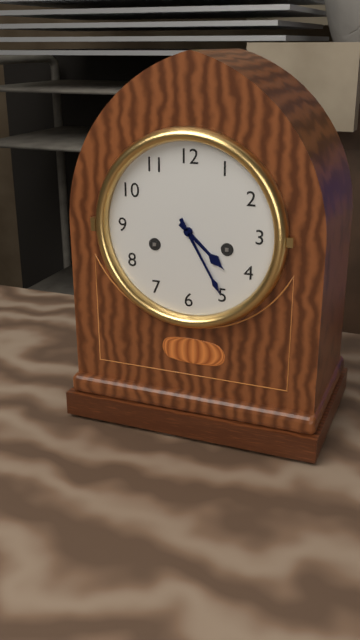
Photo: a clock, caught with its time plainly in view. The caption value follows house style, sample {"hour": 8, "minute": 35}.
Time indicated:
{"hour": 4, "minute": 25}
